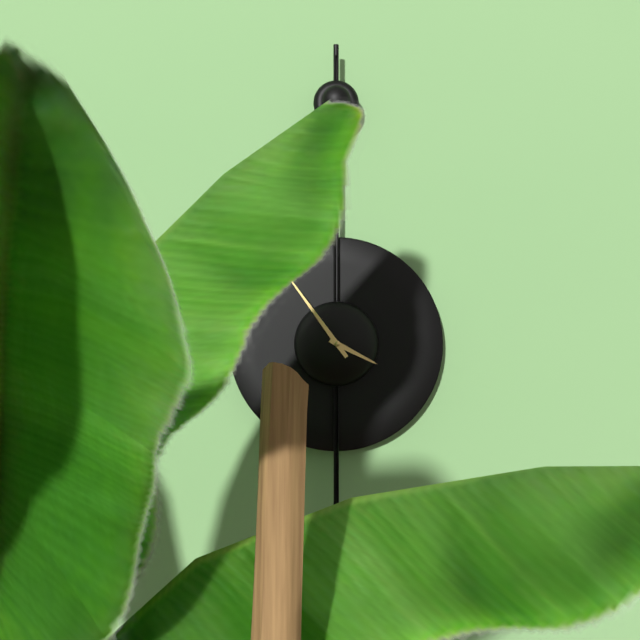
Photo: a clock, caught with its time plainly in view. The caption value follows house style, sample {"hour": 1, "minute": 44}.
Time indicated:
{"hour": 3, "minute": 54}
